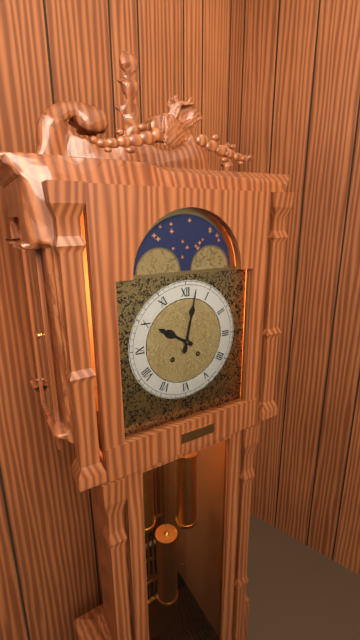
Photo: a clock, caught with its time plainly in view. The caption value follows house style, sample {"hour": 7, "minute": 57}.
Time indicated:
{"hour": 10, "minute": 2}
